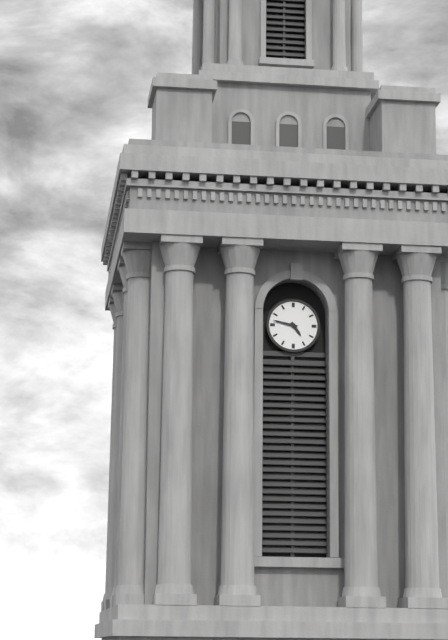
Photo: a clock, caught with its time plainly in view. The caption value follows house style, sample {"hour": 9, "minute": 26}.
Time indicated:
{"hour": 4, "minute": 47}
